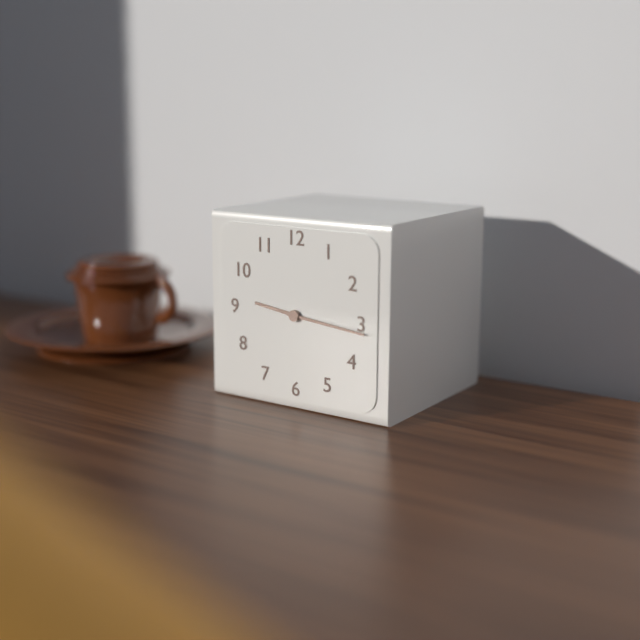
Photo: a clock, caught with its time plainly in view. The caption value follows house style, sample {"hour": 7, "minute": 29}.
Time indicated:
{"hour": 9, "minute": 16}
